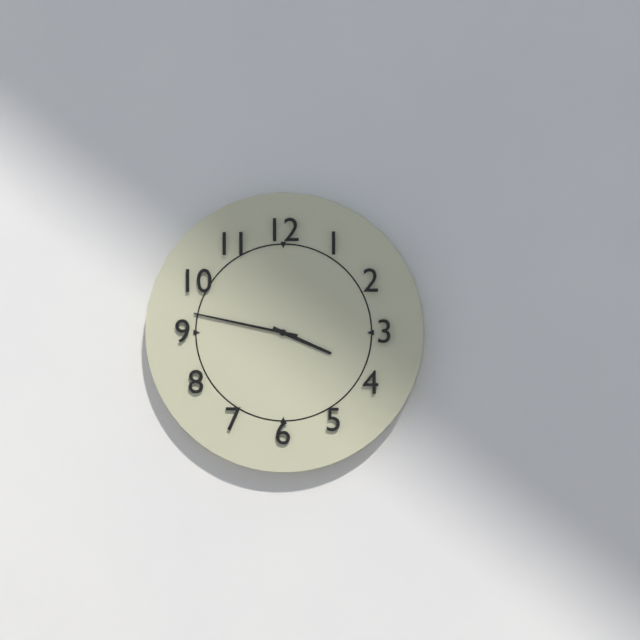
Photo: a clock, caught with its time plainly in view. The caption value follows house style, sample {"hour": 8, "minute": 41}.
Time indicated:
{"hour": 3, "minute": 47}
